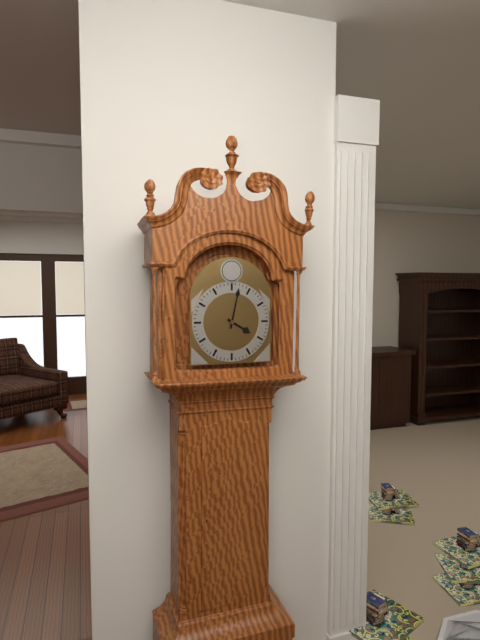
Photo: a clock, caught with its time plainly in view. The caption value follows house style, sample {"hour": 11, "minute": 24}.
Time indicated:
{"hour": 4, "minute": 2}
